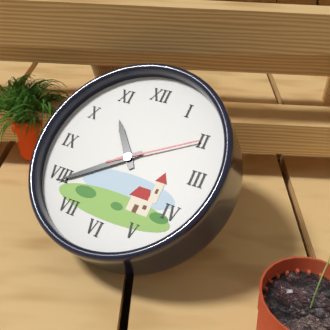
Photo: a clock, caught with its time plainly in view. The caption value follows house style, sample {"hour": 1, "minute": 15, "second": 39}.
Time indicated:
{"hour": 10, "minute": 39, "second": 10}
